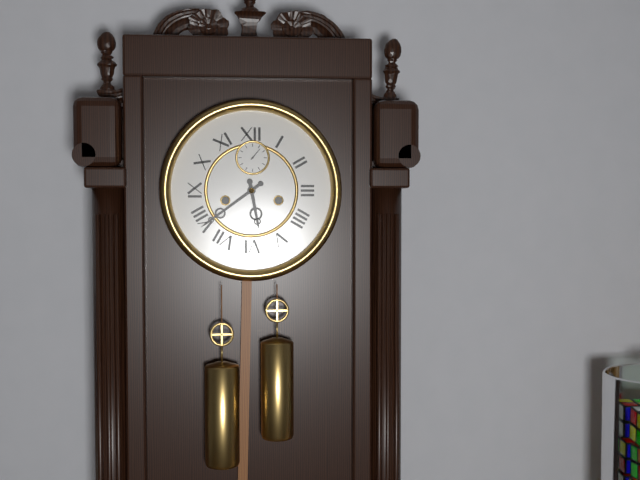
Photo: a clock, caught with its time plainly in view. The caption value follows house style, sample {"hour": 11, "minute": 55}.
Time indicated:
{"hour": 5, "minute": 39}
